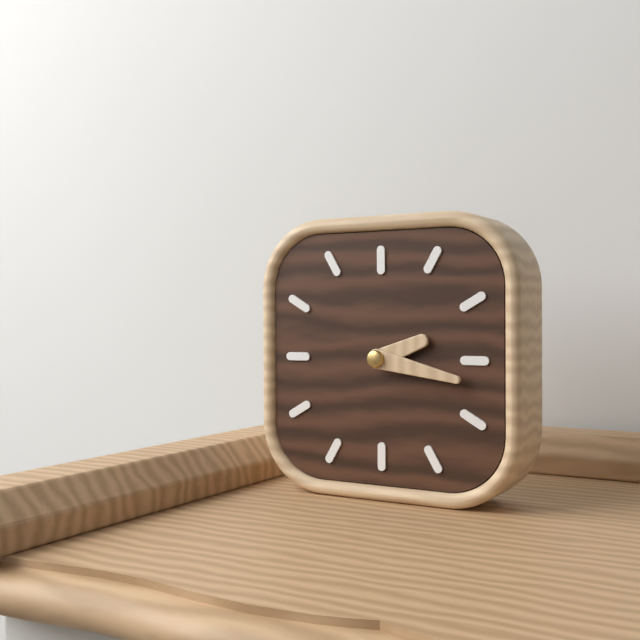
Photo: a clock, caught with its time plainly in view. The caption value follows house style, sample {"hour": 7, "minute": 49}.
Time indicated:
{"hour": 2, "minute": 17}
